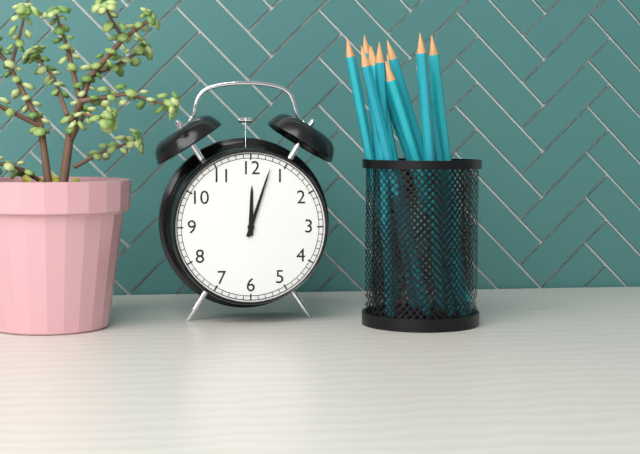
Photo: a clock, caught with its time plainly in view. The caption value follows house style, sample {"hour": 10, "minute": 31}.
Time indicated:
{"hour": 12, "minute": 3}
